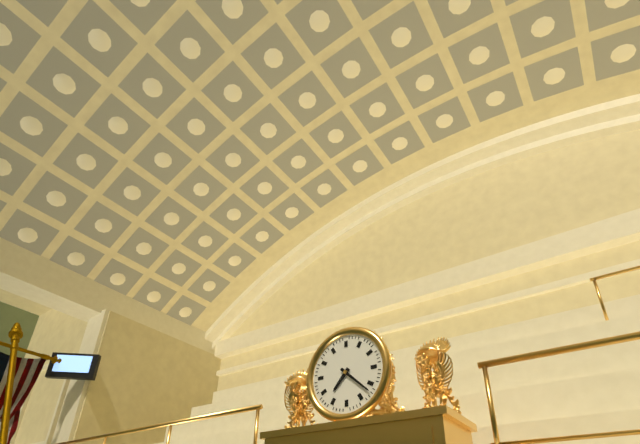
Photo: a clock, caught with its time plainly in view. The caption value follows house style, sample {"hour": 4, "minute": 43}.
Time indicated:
{"hour": 7, "minute": 22}
